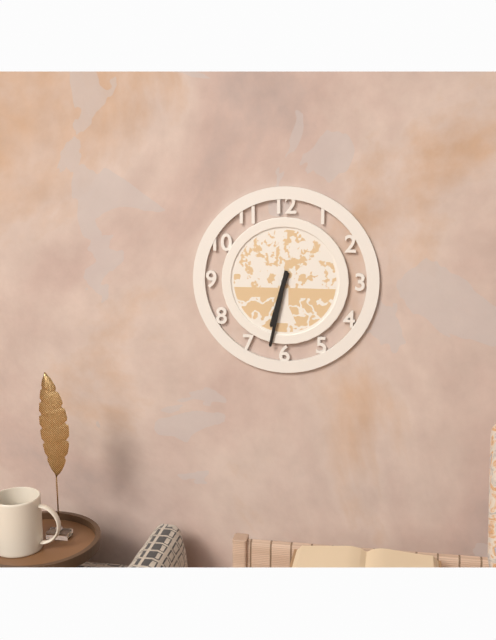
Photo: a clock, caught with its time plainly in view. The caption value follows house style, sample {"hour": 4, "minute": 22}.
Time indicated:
{"hour": 6, "minute": 32}
